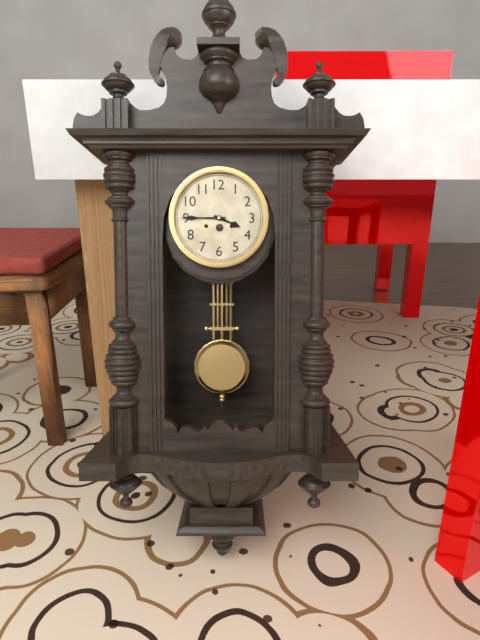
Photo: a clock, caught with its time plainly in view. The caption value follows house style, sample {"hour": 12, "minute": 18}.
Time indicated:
{"hour": 3, "minute": 45}
